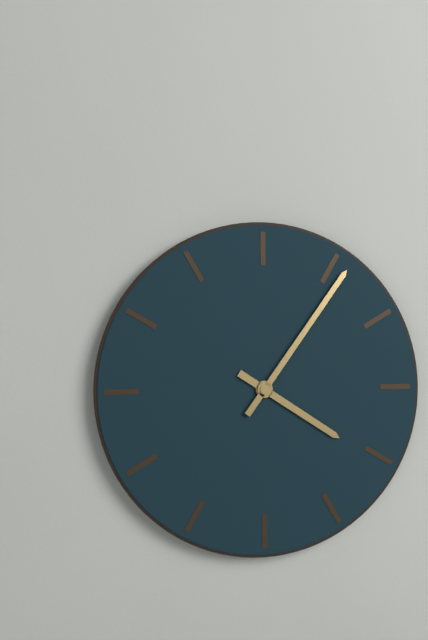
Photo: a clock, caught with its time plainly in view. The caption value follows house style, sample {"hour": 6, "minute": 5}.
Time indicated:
{"hour": 4, "minute": 6}
